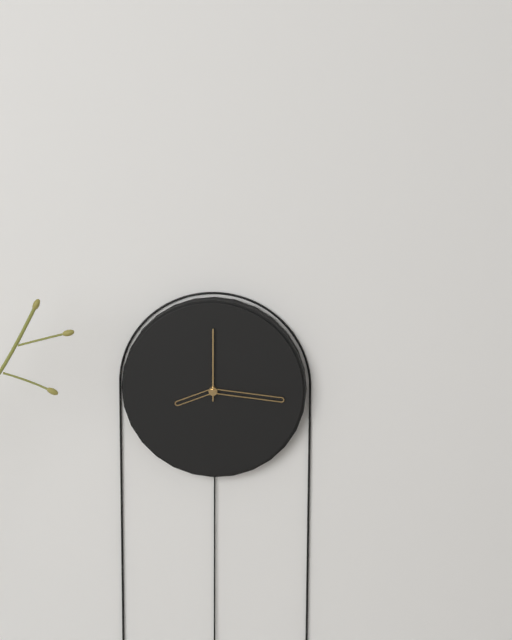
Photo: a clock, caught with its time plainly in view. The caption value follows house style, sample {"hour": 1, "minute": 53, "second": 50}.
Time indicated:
{"hour": 8, "minute": 16, "second": 0}
